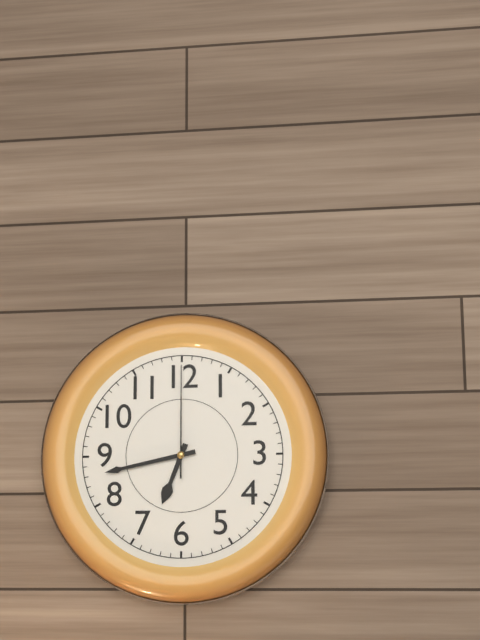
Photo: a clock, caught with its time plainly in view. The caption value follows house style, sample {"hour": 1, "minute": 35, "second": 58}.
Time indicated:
{"hour": 6, "minute": 43, "second": 0}
